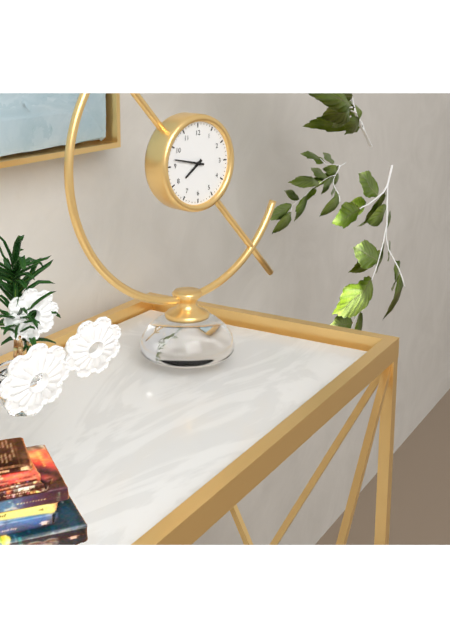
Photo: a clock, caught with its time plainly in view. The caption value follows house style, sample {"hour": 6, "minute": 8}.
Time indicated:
{"hour": 7, "minute": 47}
